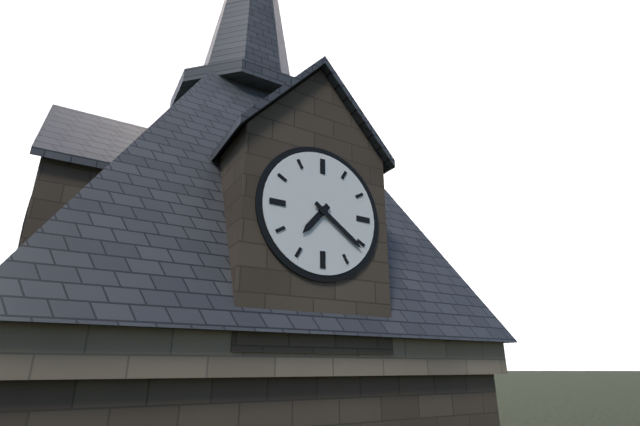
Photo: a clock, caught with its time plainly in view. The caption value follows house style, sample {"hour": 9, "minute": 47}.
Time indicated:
{"hour": 7, "minute": 21}
